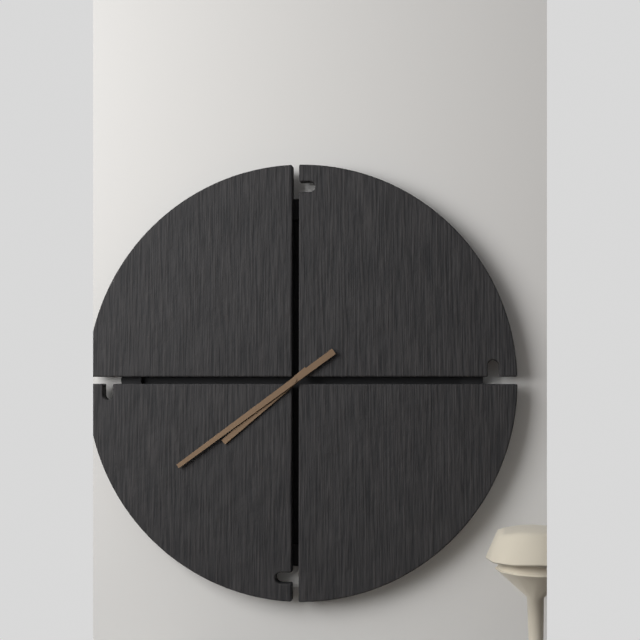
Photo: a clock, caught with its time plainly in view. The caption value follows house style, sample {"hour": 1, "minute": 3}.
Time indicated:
{"hour": 7, "minute": 39}
